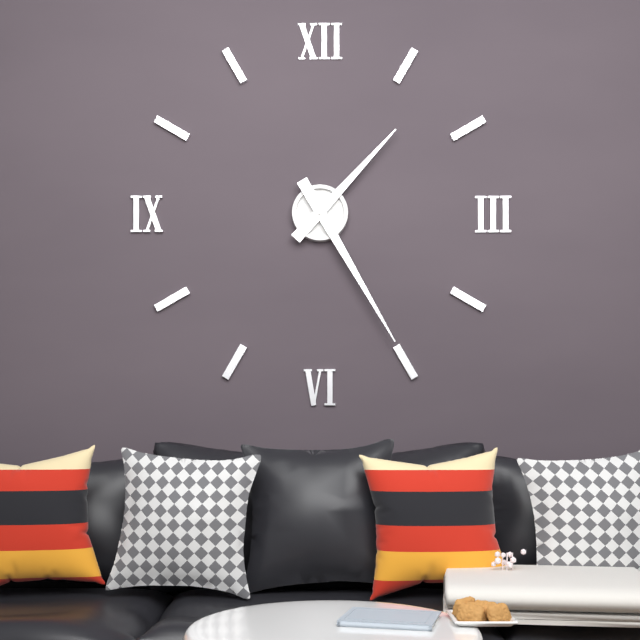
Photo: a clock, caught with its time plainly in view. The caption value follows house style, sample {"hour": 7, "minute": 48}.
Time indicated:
{"hour": 1, "minute": 25}
